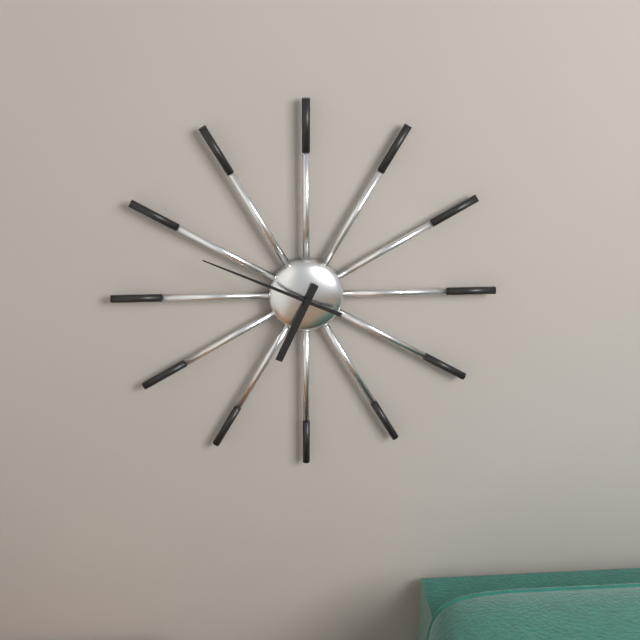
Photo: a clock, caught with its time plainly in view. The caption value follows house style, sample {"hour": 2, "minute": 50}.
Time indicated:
{"hour": 6, "minute": 49}
